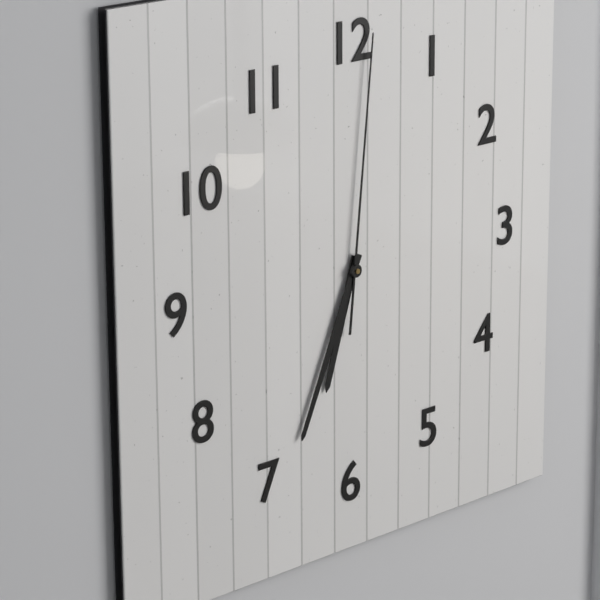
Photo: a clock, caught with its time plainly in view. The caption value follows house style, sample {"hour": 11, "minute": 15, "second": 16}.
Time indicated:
{"hour": 6, "minute": 34, "second": 1}
